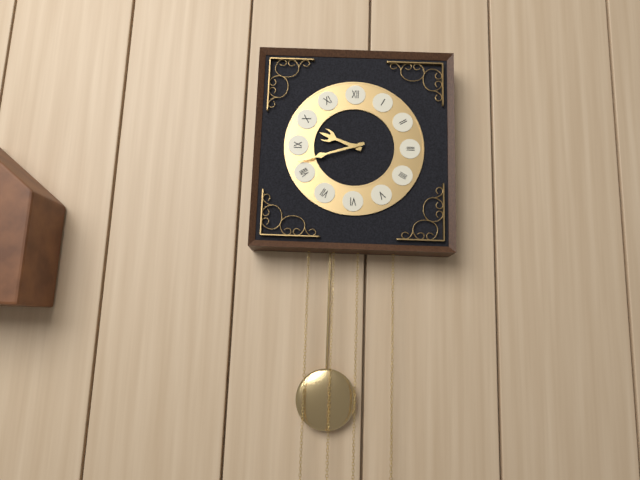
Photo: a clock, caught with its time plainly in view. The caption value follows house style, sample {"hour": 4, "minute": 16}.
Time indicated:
{"hour": 9, "minute": 42}
